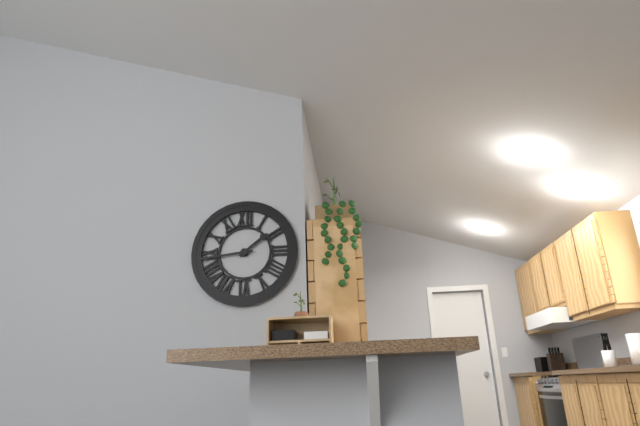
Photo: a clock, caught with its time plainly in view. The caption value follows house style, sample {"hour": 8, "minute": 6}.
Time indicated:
{"hour": 1, "minute": 44}
